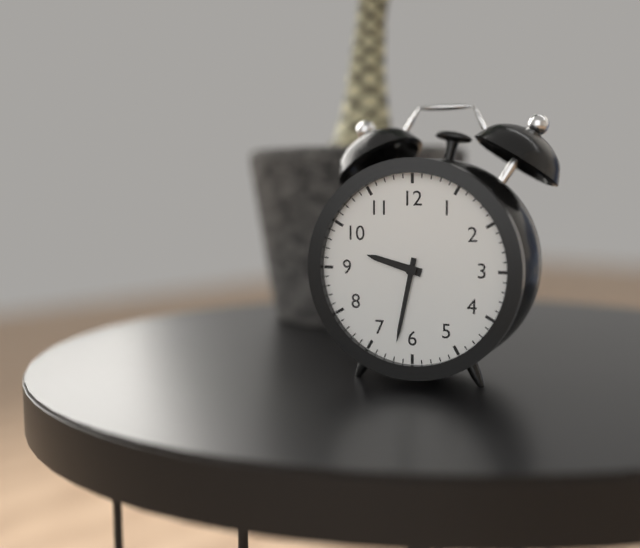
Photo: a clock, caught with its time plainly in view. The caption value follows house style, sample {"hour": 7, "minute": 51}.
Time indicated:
{"hour": 9, "minute": 32}
